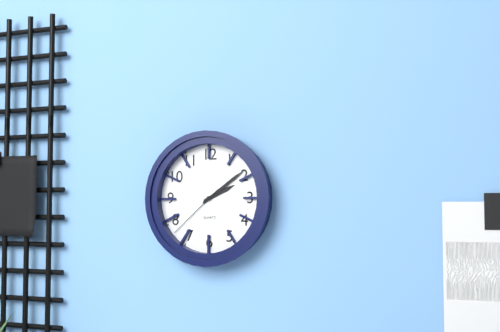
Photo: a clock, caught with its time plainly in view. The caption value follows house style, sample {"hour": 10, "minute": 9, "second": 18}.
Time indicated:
{"hour": 2, "minute": 9, "second": 38}
